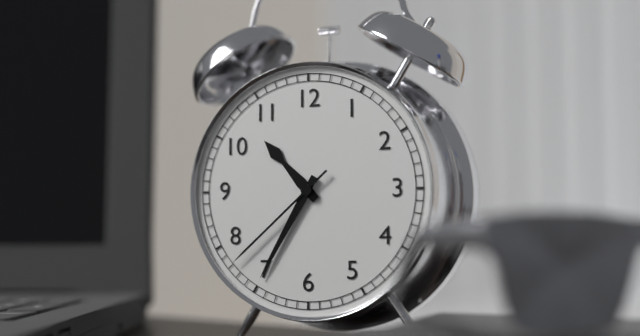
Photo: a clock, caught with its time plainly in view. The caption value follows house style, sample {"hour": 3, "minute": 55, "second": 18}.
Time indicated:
{"hour": 10, "minute": 35, "second": 38}
